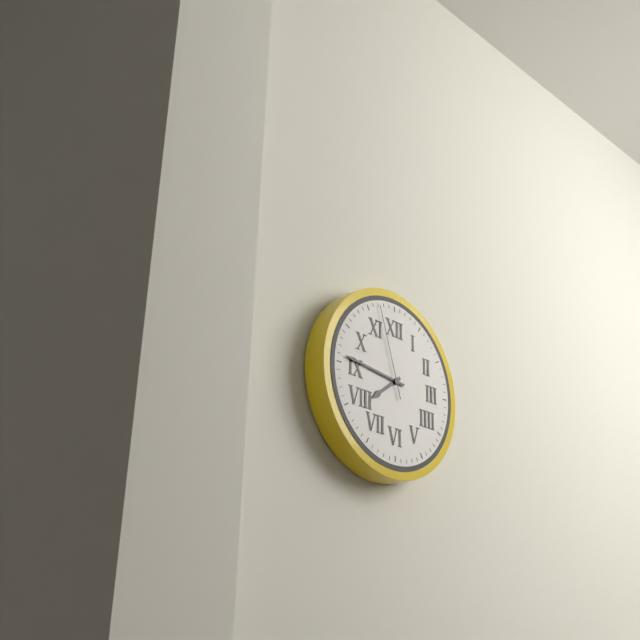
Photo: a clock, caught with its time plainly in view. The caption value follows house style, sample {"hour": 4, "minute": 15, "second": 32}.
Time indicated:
{"hour": 7, "minute": 46, "second": 57}
